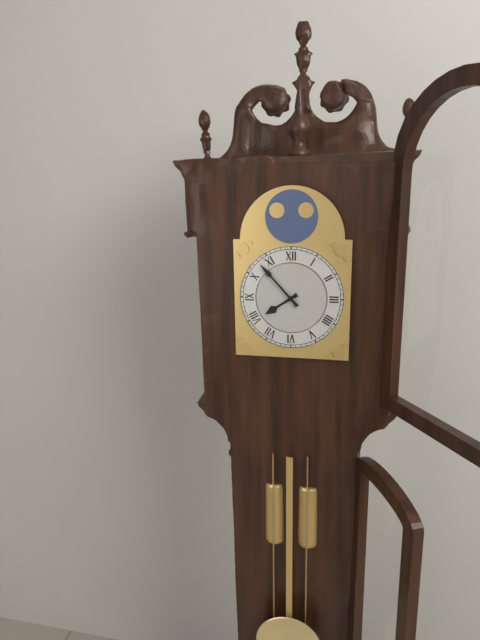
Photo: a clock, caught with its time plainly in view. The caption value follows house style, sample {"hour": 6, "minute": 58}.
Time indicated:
{"hour": 7, "minute": 53}
